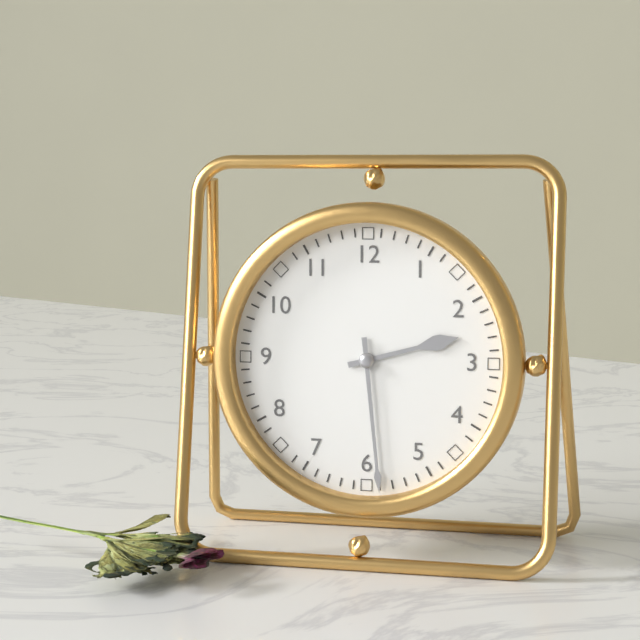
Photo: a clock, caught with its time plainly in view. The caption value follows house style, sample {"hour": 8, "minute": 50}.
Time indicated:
{"hour": 2, "minute": 29}
